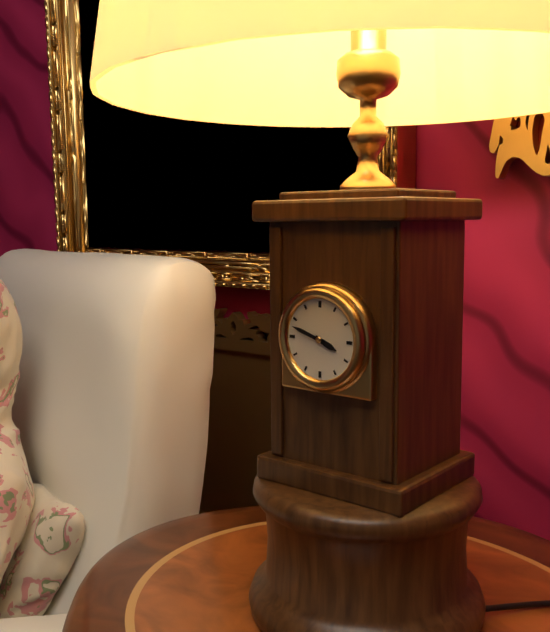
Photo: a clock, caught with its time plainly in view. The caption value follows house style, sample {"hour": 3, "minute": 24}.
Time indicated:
{"hour": 3, "minute": 48}
